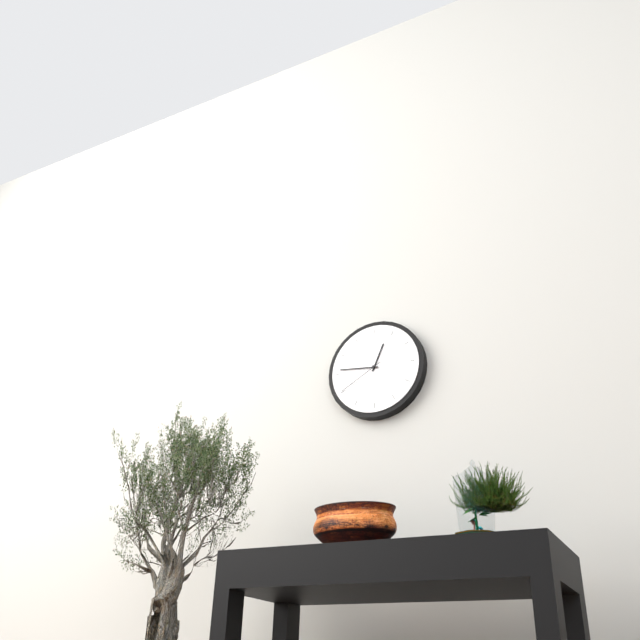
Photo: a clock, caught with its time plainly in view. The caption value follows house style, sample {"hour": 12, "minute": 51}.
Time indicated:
{"hour": 12, "minute": 46}
